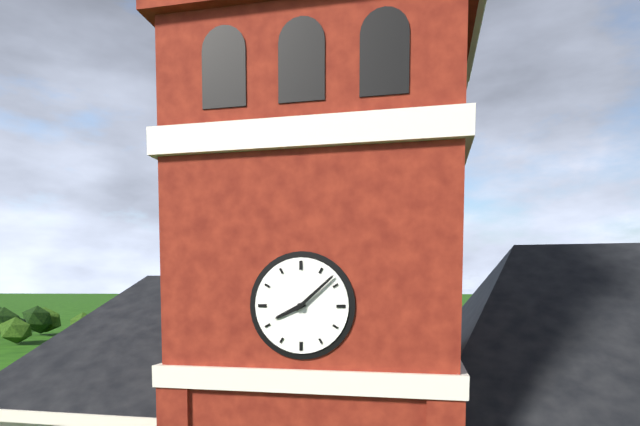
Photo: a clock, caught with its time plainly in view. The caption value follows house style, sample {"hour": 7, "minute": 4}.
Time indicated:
{"hour": 8, "minute": 8}
